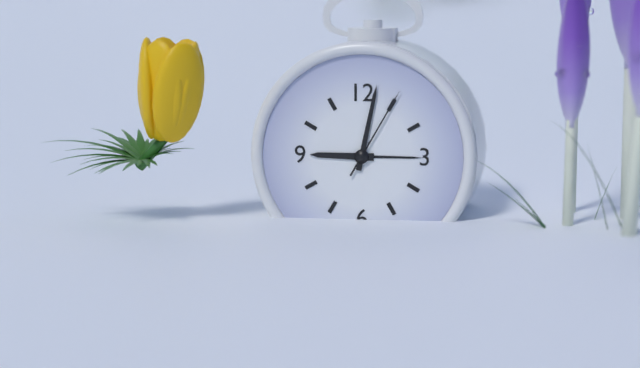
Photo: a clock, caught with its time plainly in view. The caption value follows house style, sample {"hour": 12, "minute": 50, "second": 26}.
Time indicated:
{"hour": 9, "minute": 2, "second": 5}
